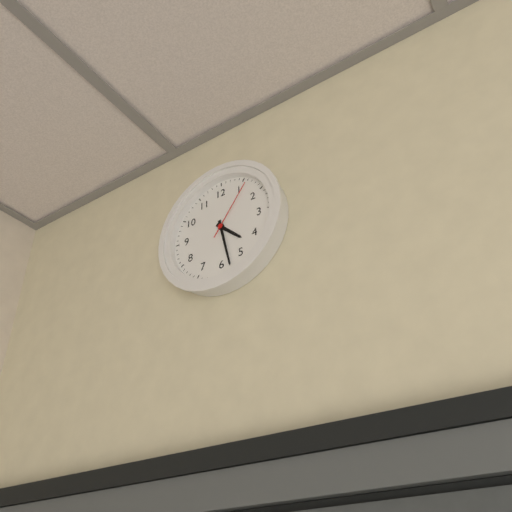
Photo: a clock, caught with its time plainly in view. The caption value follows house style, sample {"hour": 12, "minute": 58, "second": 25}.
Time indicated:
{"hour": 4, "minute": 28, "second": 6}
